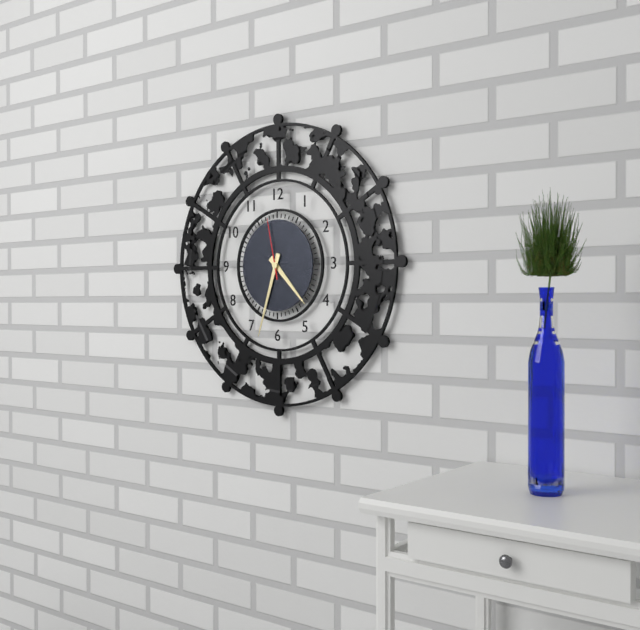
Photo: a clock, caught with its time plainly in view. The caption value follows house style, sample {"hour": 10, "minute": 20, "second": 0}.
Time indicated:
{"hour": 4, "minute": 33, "second": 58}
